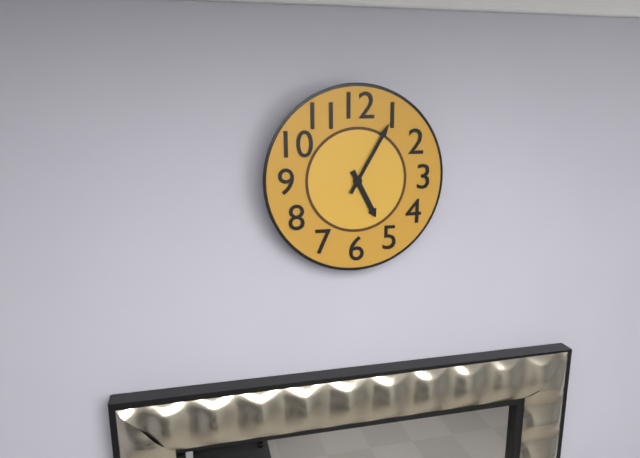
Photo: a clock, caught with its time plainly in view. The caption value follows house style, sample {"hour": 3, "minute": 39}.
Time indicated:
{"hour": 5, "minute": 5}
